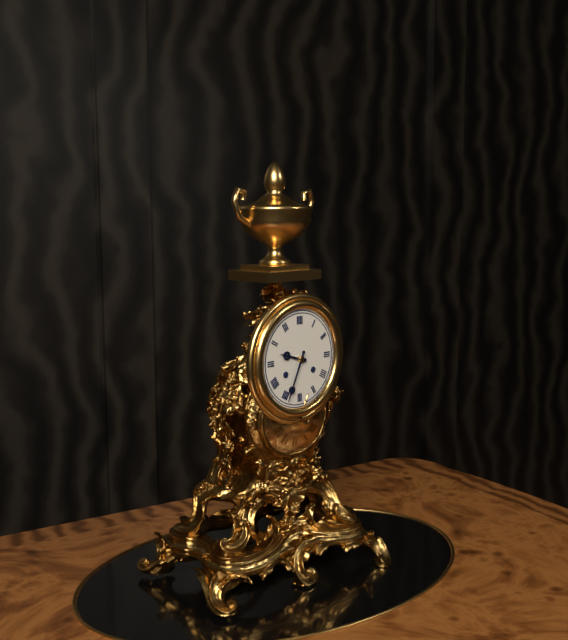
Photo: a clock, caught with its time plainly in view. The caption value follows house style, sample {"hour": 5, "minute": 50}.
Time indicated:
{"hour": 9, "minute": 34}
